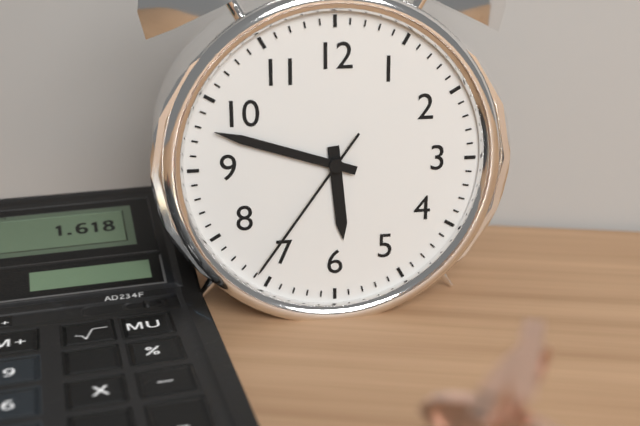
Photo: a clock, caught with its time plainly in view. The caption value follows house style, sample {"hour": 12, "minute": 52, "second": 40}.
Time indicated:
{"hour": 5, "minute": 48, "second": 36}
